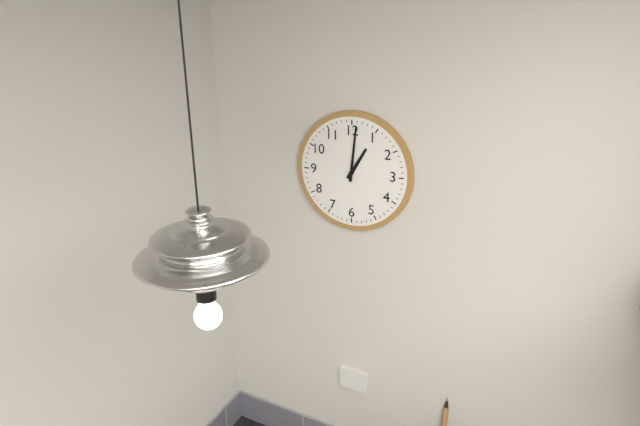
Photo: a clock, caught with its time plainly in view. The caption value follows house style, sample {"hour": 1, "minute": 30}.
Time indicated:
{"hour": 1, "minute": 1}
